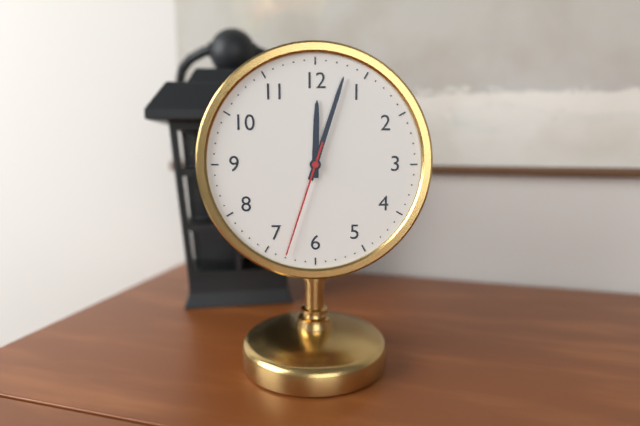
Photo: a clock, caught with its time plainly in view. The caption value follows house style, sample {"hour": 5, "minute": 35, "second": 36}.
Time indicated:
{"hour": 12, "minute": 3, "second": 33}
